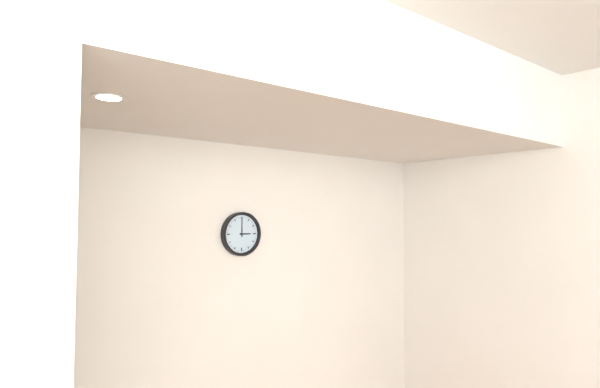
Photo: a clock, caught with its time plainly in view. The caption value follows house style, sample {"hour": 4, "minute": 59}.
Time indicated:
{"hour": 3, "minute": 0}
